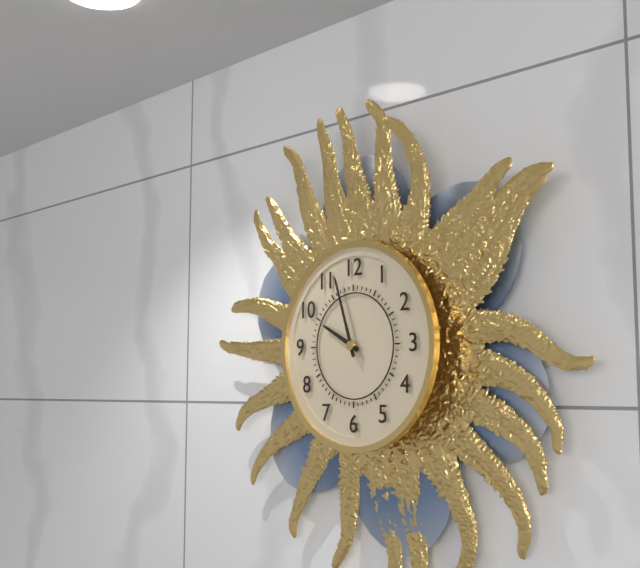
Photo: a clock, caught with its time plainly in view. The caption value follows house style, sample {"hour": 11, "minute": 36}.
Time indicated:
{"hour": 9, "minute": 57}
